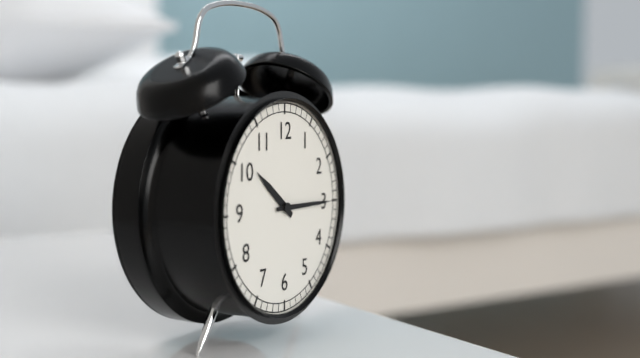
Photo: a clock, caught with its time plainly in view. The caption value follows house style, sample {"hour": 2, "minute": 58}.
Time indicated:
{"hour": 10, "minute": 15}
